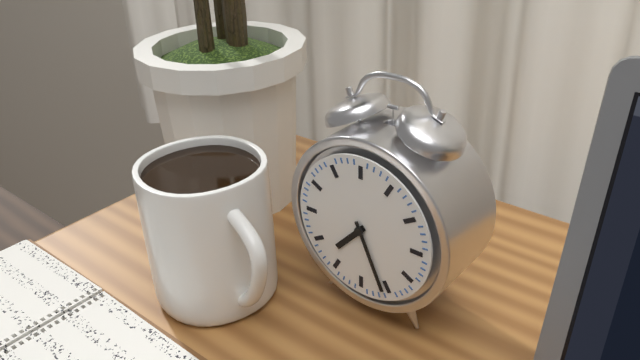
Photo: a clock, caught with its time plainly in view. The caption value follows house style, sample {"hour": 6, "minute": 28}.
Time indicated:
{"hour": 7, "minute": 26}
